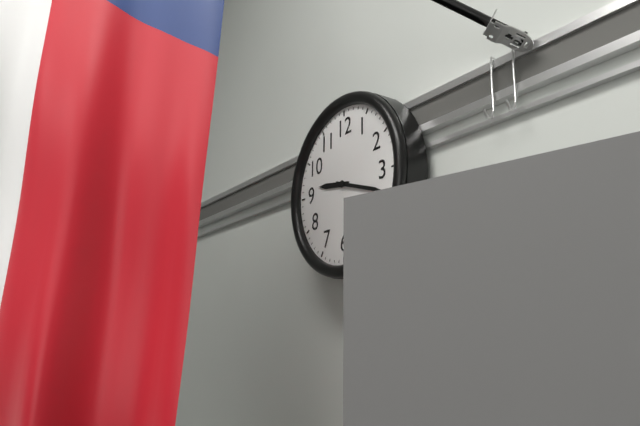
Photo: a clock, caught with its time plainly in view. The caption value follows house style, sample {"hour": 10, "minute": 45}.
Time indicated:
{"hour": 9, "minute": 18}
